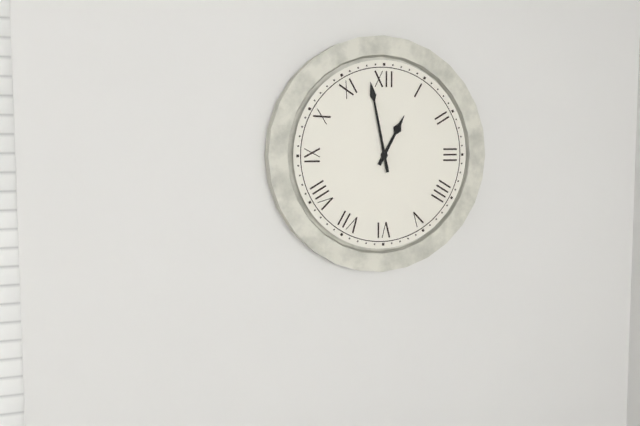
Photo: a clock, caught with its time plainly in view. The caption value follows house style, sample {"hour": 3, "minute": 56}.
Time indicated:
{"hour": 12, "minute": 58}
